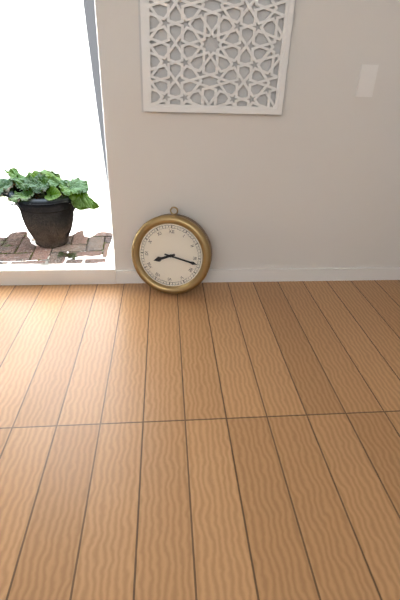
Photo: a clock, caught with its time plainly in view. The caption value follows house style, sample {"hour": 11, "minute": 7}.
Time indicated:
{"hour": 8, "minute": 17}
